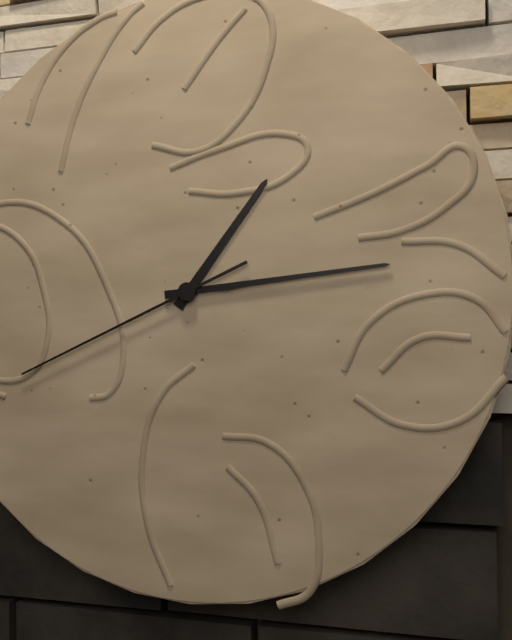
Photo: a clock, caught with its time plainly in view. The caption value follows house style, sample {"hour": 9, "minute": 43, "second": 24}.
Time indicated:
{"hour": 1, "minute": 14, "second": 41}
